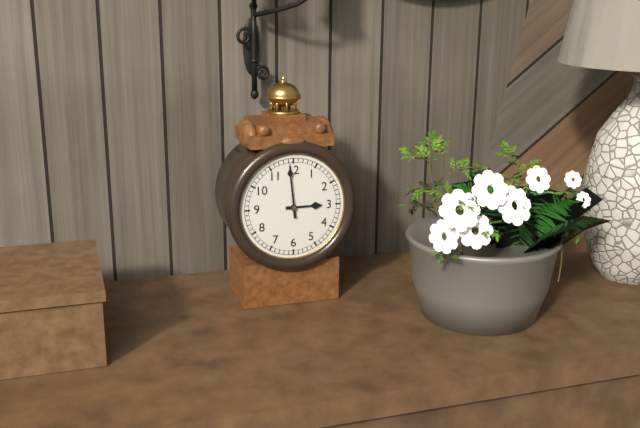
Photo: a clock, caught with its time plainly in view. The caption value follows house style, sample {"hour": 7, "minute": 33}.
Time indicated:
{"hour": 2, "minute": 59}
